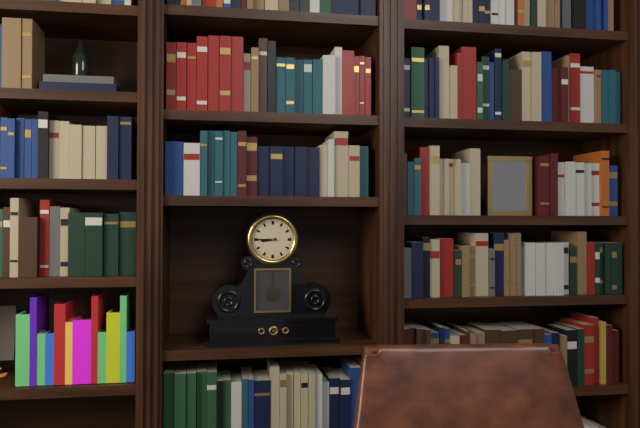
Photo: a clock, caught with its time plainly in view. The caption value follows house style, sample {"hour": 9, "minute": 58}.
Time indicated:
{"hour": 8, "minute": 45}
